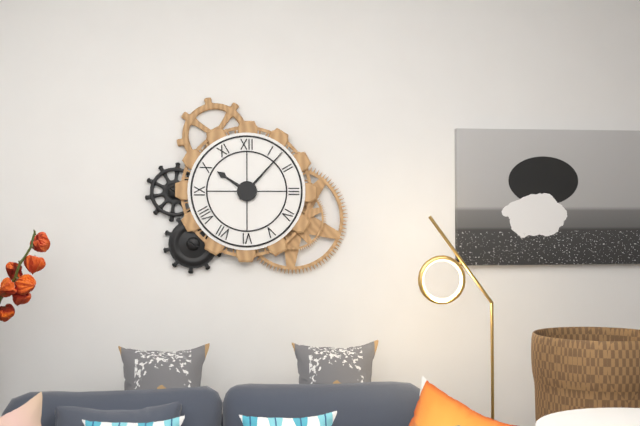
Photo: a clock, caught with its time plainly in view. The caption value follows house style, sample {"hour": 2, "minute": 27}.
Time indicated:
{"hour": 10, "minute": 7}
